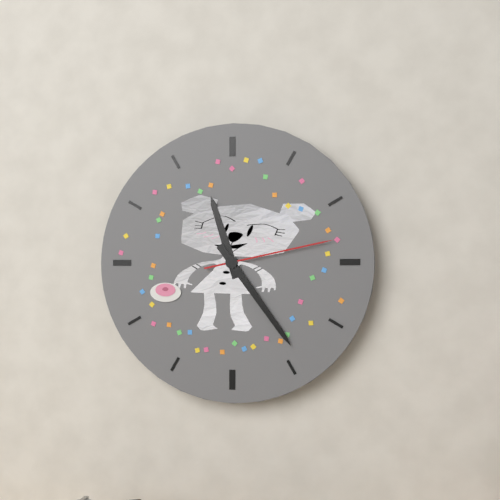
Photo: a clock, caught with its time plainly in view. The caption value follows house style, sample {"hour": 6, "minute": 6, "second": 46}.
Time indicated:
{"hour": 11, "minute": 24, "second": 13}
